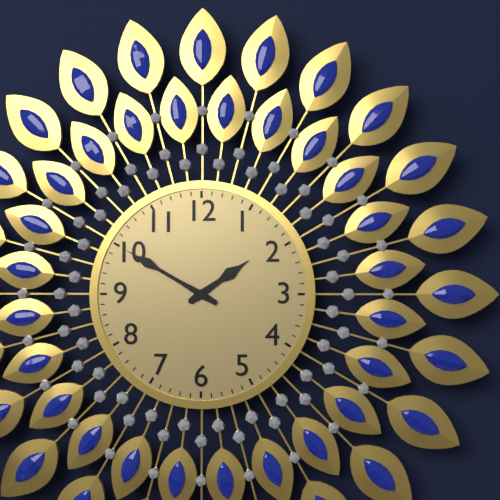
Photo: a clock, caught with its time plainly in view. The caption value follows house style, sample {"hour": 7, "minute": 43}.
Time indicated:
{"hour": 1, "minute": 50}
